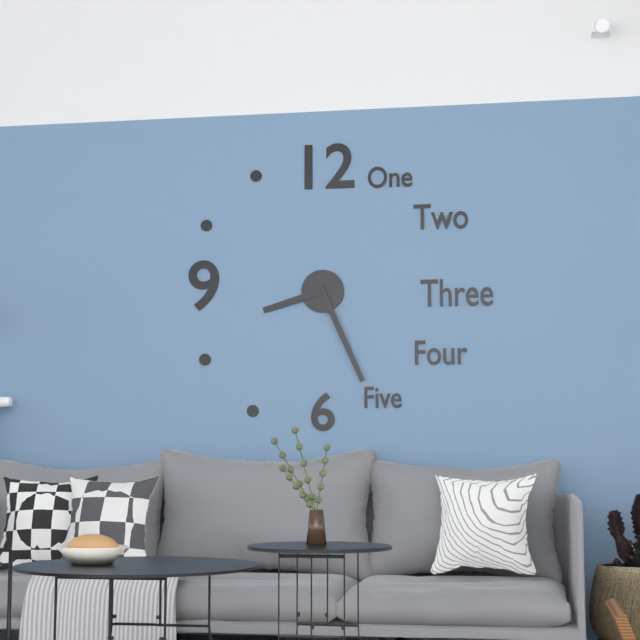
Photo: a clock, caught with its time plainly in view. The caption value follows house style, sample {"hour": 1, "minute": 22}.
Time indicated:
{"hour": 8, "minute": 26}
